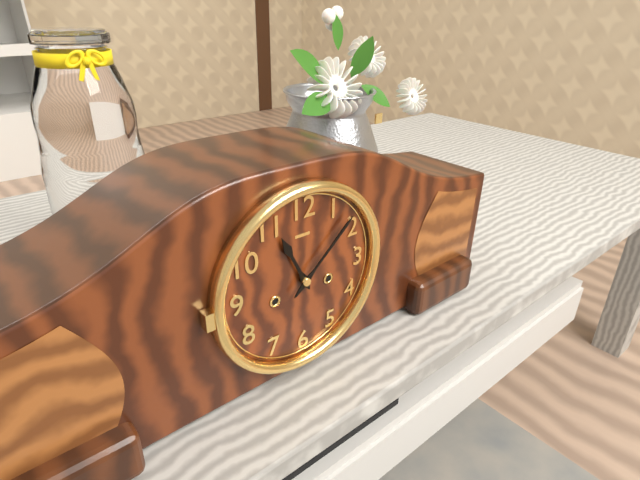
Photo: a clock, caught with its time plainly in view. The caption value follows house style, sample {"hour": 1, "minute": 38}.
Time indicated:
{"hour": 11, "minute": 8}
